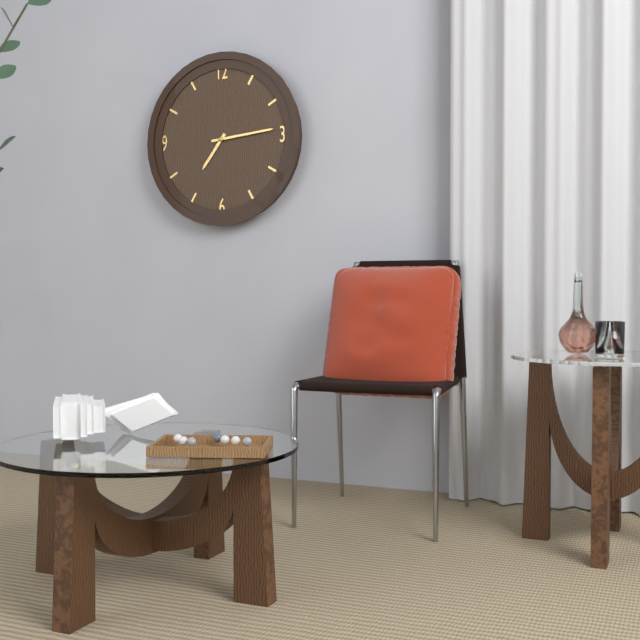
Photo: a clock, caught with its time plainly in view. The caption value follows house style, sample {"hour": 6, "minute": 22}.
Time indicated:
{"hour": 7, "minute": 14}
